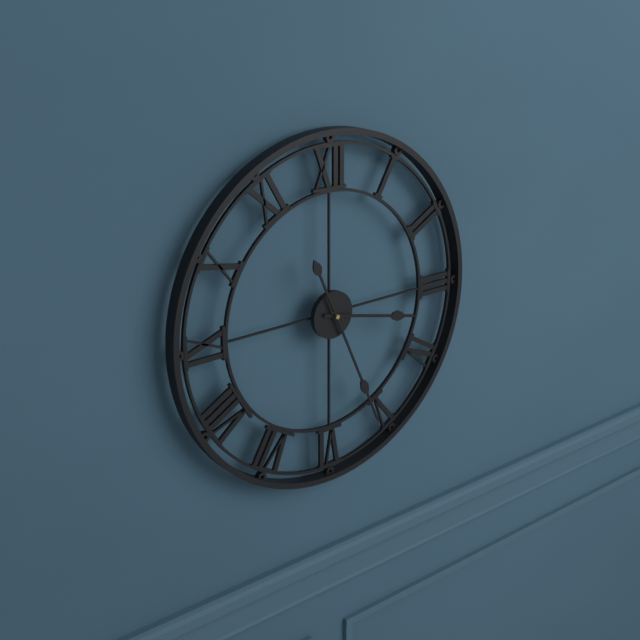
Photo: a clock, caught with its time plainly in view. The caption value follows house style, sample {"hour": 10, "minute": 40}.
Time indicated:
{"hour": 3, "minute": 26}
